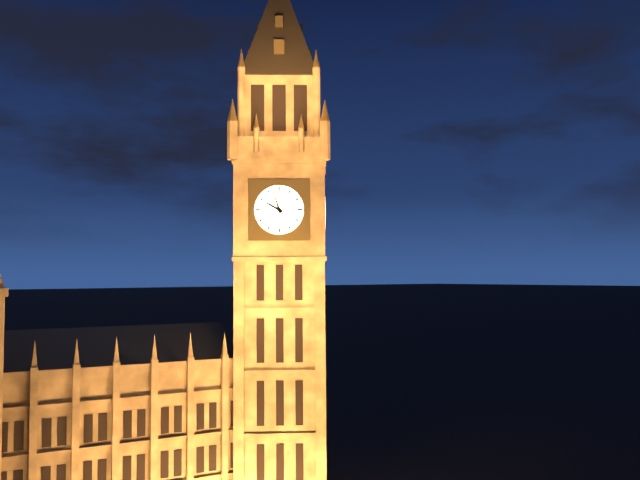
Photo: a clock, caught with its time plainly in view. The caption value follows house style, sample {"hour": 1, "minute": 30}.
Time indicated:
{"hour": 9, "minute": 57}
